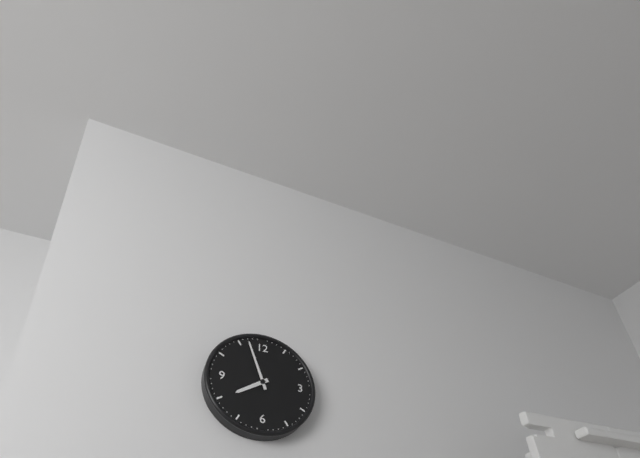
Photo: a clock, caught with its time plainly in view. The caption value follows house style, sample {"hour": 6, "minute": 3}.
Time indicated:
{"hour": 7, "minute": 57}
